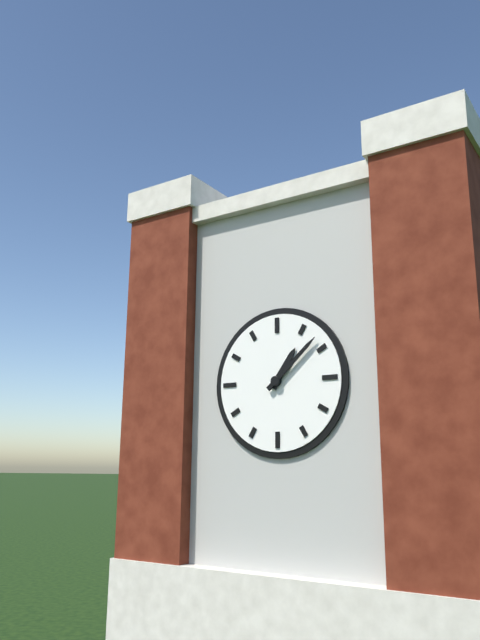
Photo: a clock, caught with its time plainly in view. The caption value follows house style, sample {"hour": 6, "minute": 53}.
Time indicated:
{"hour": 1, "minute": 8}
